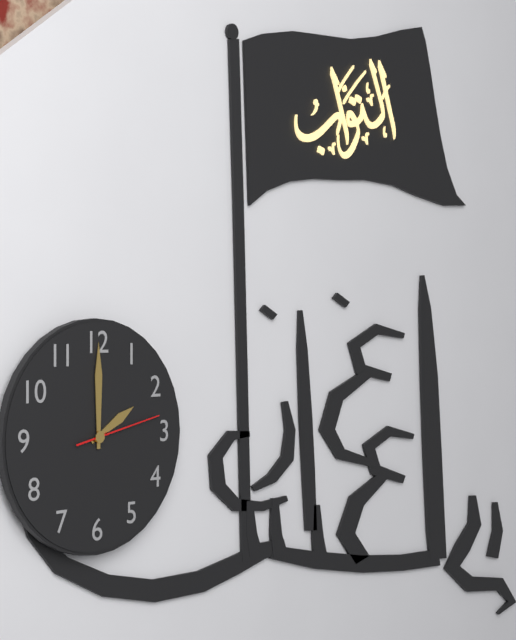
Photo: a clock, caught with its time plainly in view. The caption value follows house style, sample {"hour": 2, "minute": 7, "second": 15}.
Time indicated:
{"hour": 2, "minute": 0, "second": 13}
